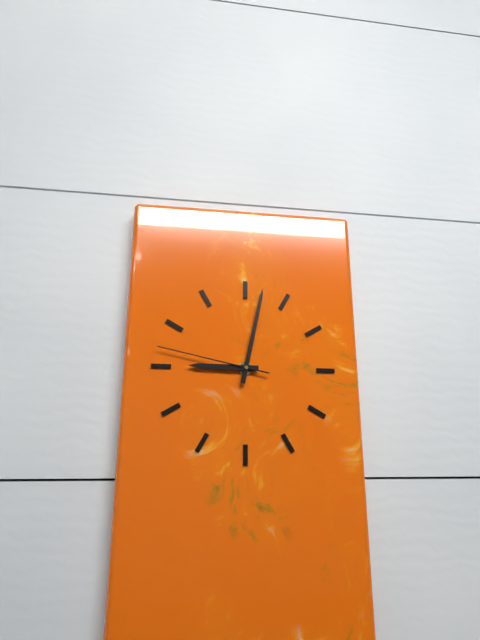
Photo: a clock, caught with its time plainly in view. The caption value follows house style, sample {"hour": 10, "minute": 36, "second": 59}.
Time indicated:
{"hour": 9, "minute": 2, "second": 47}
